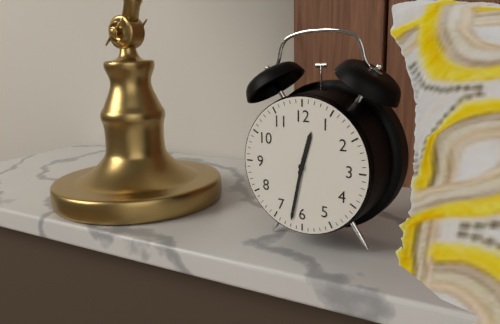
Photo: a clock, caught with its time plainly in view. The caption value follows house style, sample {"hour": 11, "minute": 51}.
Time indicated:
{"hour": 12, "minute": 32}
